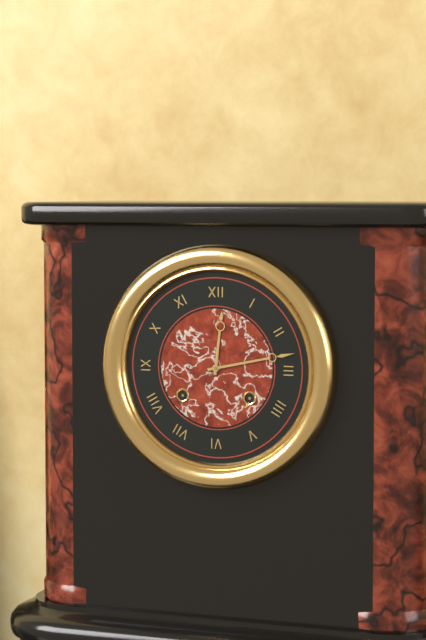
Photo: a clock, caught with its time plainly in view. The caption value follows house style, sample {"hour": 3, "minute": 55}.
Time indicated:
{"hour": 12, "minute": 13}
